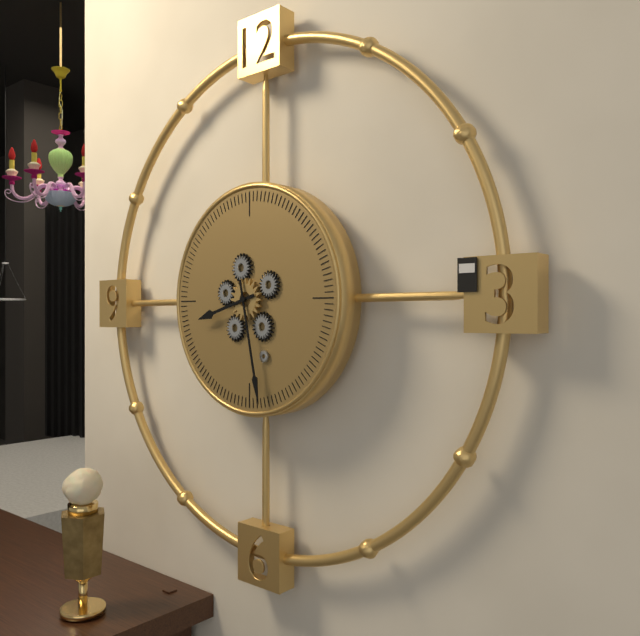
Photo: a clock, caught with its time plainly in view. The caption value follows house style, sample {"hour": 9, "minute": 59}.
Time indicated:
{"hour": 8, "minute": 28}
